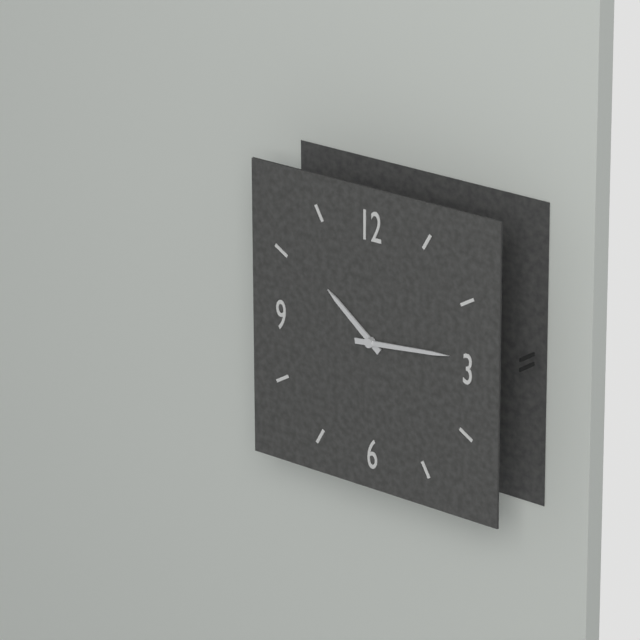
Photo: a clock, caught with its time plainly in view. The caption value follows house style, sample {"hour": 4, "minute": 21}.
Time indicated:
{"hour": 10, "minute": 14}
